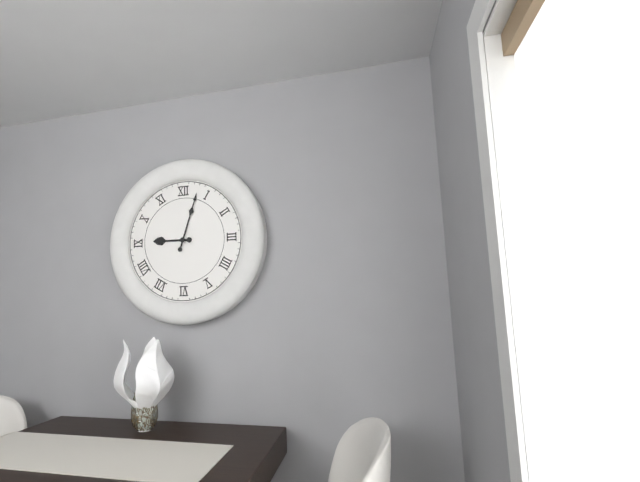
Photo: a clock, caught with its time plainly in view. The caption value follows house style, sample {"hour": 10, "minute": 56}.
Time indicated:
{"hour": 9, "minute": 3}
